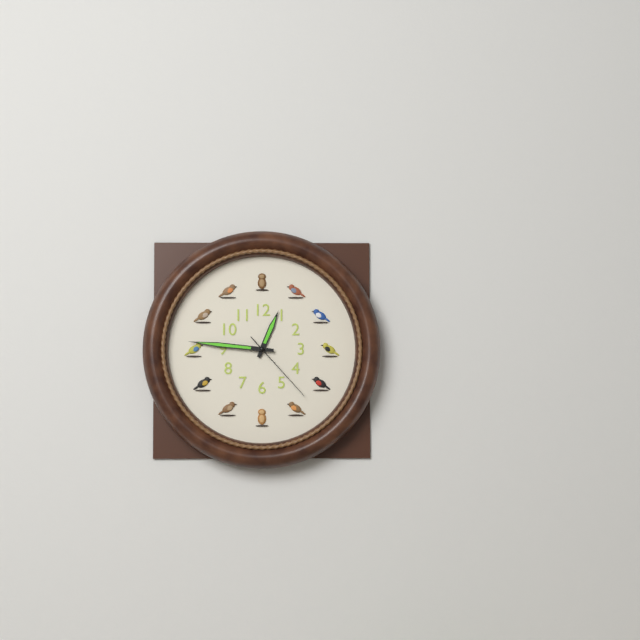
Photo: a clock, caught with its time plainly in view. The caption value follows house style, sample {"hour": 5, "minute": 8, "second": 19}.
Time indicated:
{"hour": 12, "minute": 46, "second": 23}
